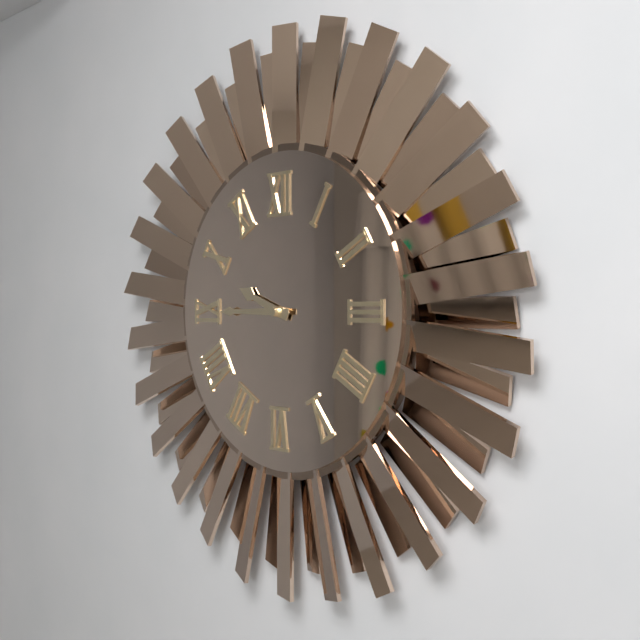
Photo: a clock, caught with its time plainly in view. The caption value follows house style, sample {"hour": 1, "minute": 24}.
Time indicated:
{"hour": 9, "minute": 45}
